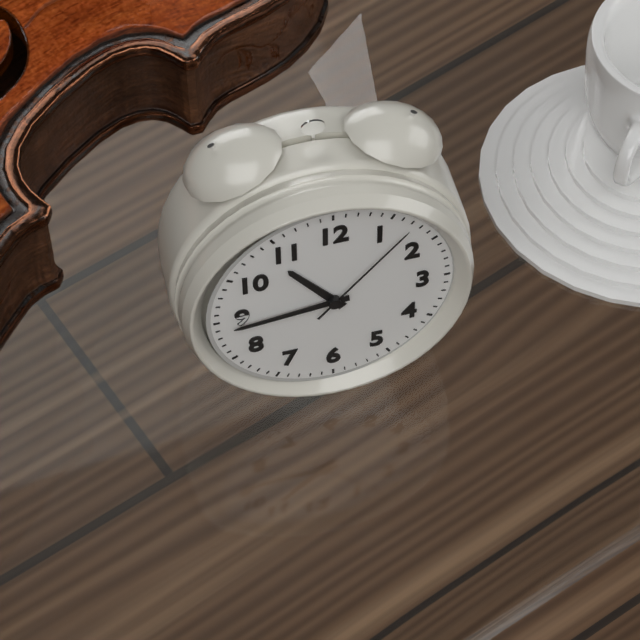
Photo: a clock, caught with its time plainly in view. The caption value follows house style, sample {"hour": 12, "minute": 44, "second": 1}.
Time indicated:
{"hour": 10, "minute": 44, "second": 7}
